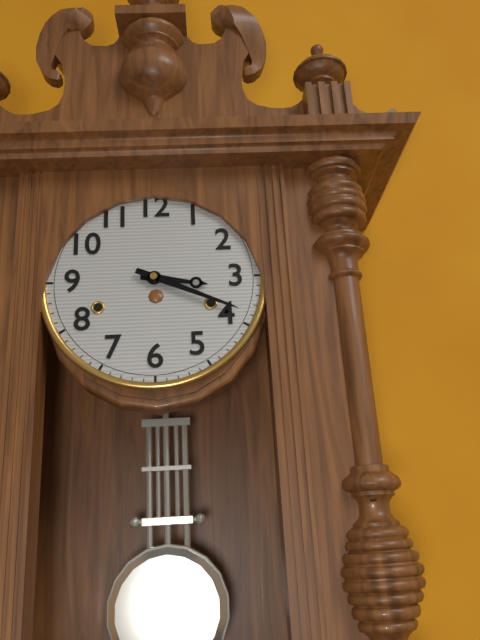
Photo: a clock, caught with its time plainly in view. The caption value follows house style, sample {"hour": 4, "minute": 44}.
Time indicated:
{"hour": 3, "minute": 19}
